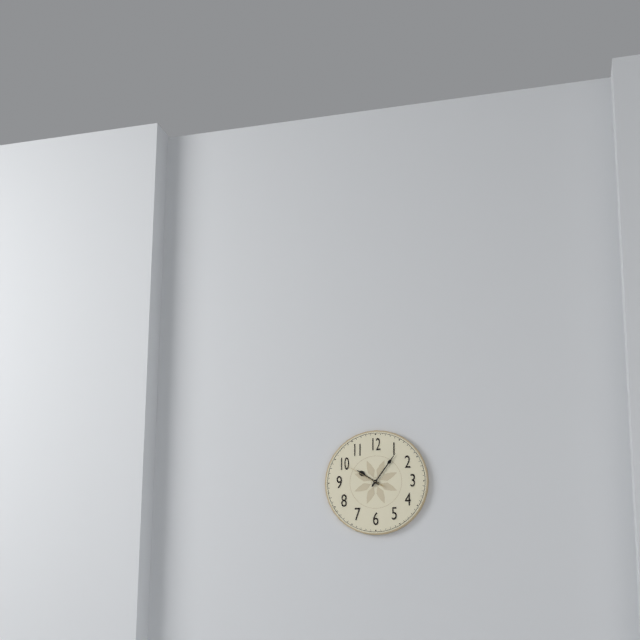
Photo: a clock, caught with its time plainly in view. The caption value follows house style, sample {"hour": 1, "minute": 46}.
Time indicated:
{"hour": 10, "minute": 6}
